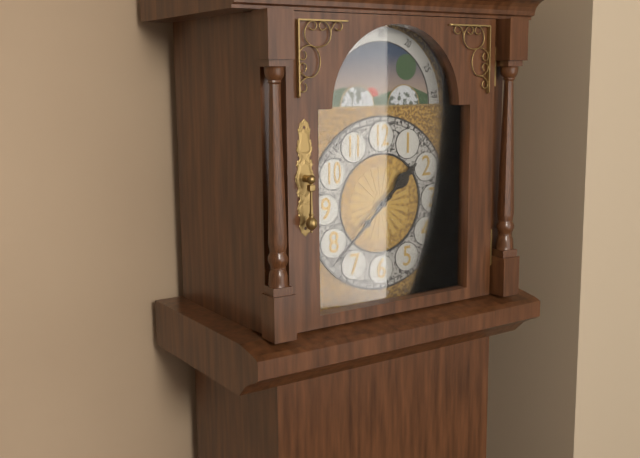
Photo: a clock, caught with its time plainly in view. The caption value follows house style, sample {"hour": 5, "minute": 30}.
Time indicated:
{"hour": 1, "minute": 38}
